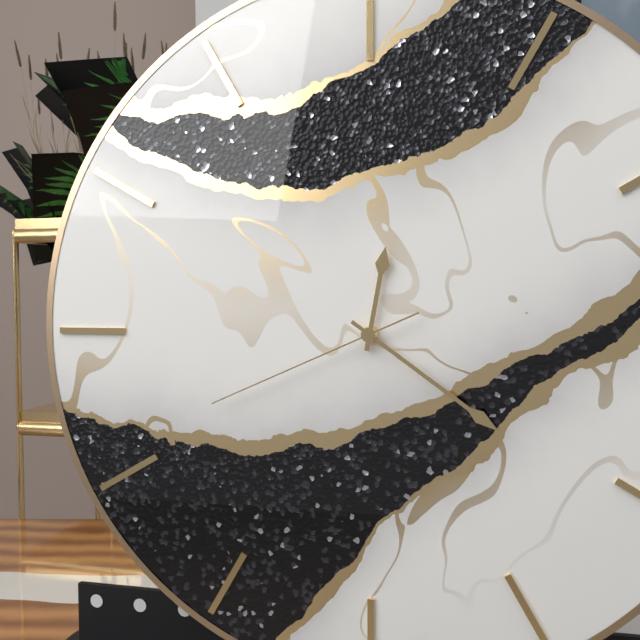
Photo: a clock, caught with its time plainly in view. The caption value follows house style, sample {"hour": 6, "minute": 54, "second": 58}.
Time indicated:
{"hour": 12, "minute": 21, "second": 41}
